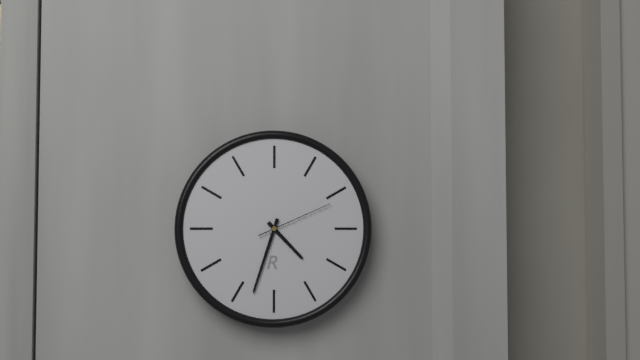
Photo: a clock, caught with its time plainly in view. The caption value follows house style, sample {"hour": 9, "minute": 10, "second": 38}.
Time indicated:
{"hour": 4, "minute": 33, "second": 11}
